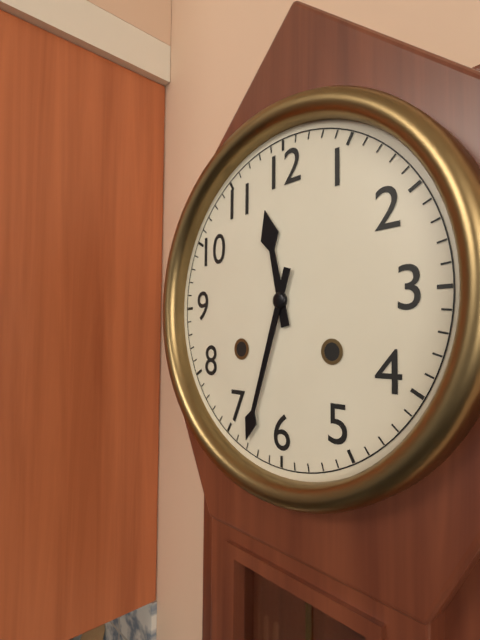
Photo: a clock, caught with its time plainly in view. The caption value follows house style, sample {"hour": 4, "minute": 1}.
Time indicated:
{"hour": 11, "minute": 33}
